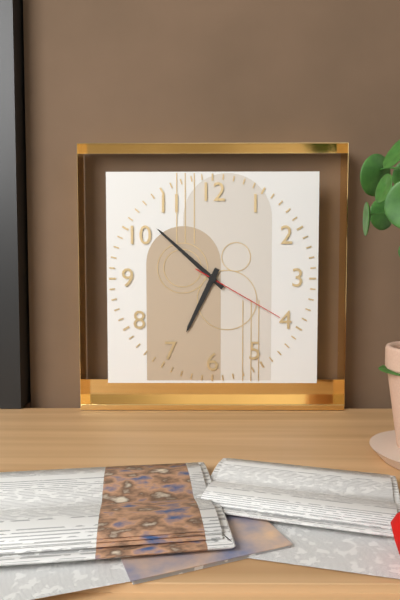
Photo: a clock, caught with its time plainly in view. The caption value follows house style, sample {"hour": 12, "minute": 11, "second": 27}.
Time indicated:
{"hour": 6, "minute": 52, "second": 20}
